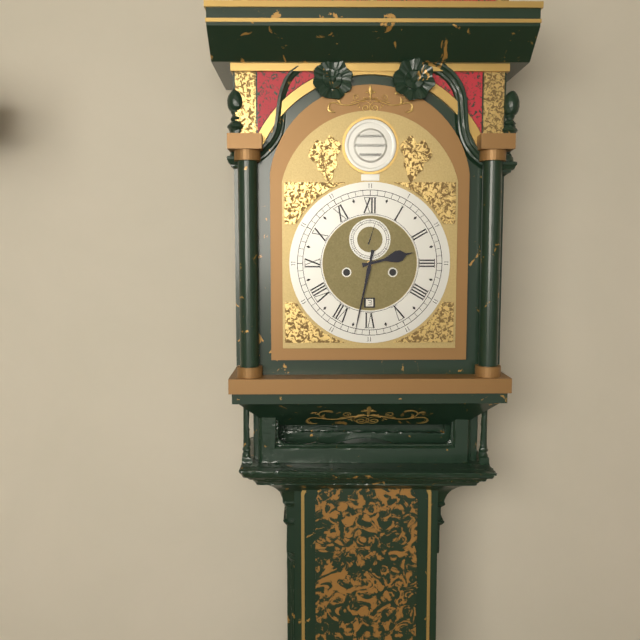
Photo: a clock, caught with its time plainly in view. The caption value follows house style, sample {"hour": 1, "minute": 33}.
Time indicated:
{"hour": 2, "minute": 32}
